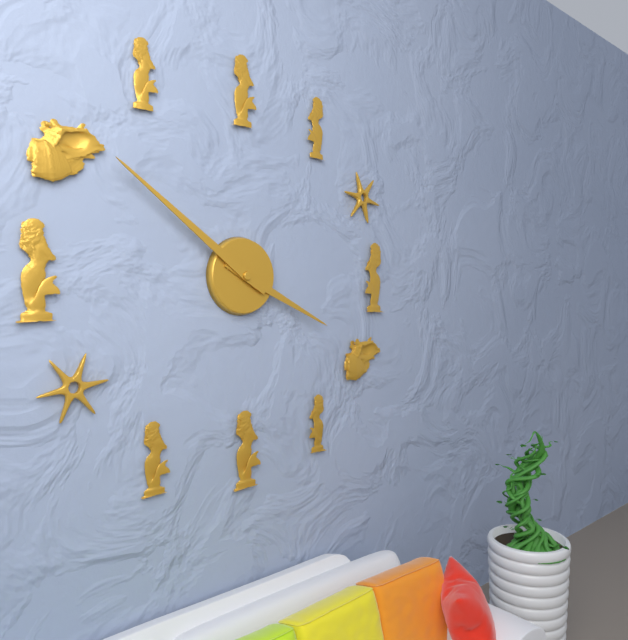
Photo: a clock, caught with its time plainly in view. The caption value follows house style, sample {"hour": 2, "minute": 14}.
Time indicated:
{"hour": 3, "minute": 51}
